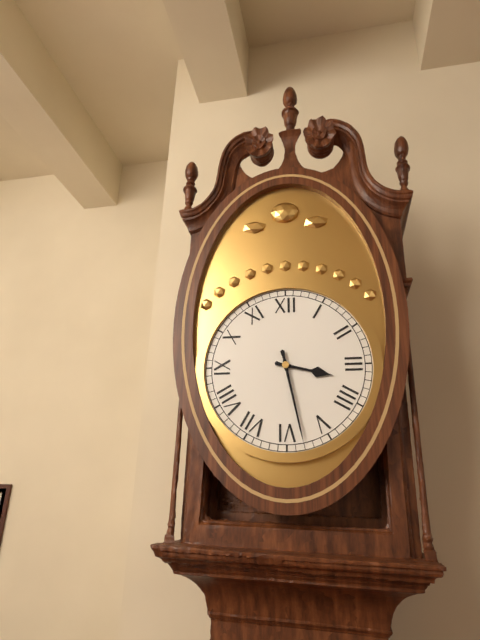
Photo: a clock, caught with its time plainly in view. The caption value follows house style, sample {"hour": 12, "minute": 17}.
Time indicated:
{"hour": 3, "minute": 28}
